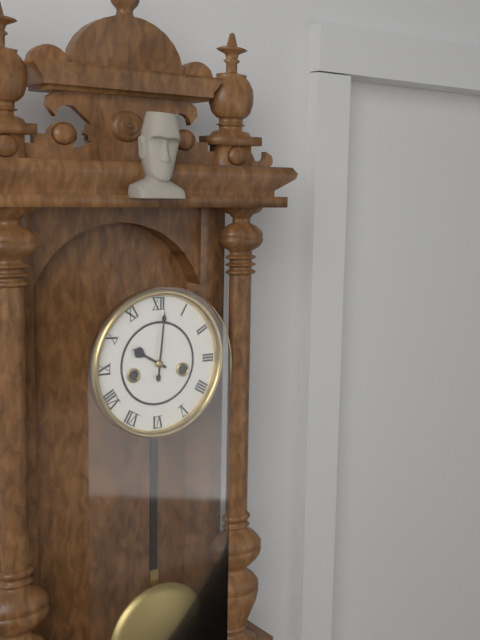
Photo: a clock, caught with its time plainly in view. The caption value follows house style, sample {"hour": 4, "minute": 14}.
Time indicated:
{"hour": 10, "minute": 1}
